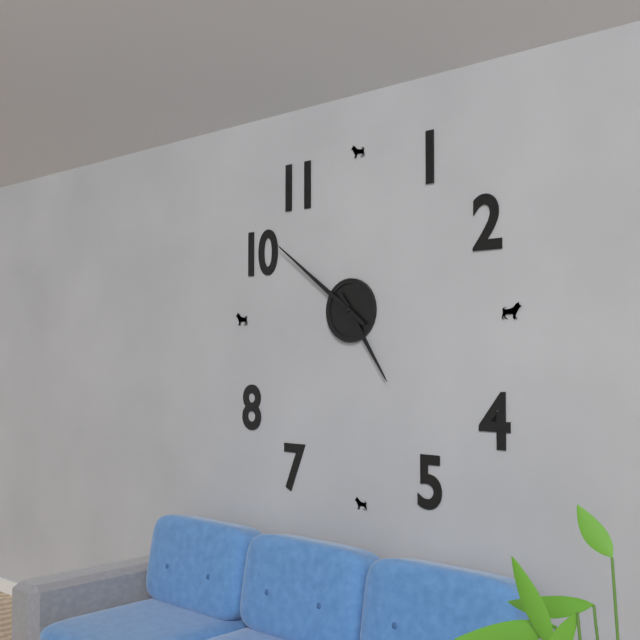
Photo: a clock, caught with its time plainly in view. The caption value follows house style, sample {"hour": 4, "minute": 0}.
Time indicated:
{"hour": 4, "minute": 51}
